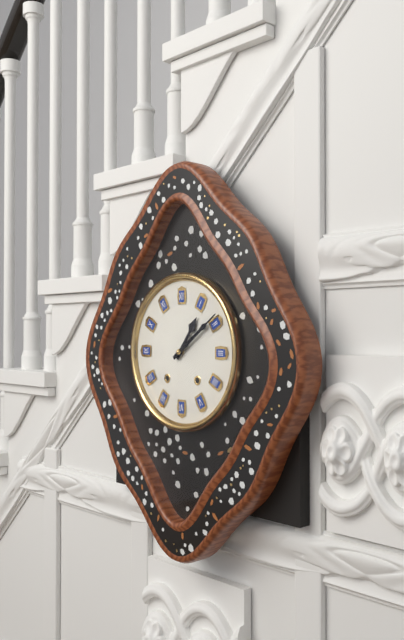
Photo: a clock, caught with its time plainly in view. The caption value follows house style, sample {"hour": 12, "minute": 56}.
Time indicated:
{"hour": 1, "minute": 9}
